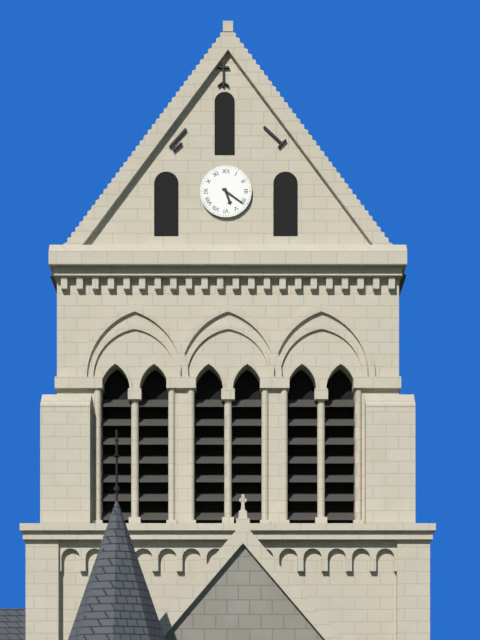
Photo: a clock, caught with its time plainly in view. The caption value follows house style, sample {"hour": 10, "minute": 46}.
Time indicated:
{"hour": 5, "minute": 21}
